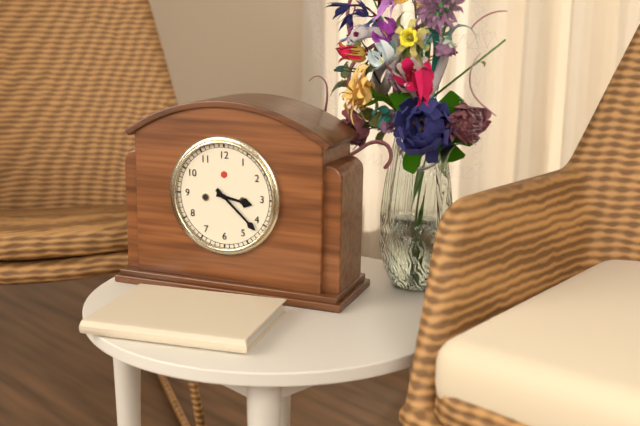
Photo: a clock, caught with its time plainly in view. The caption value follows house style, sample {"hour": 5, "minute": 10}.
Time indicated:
{"hour": 3, "minute": 22}
